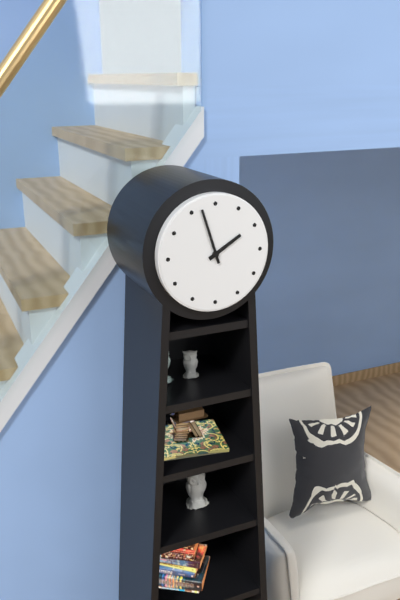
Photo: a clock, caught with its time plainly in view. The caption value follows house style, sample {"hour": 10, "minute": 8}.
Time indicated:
{"hour": 1, "minute": 57}
